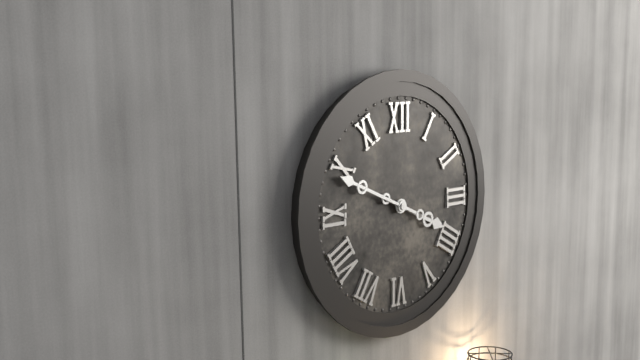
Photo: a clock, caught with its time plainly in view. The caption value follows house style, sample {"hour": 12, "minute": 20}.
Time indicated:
{"hour": 3, "minute": 49}
